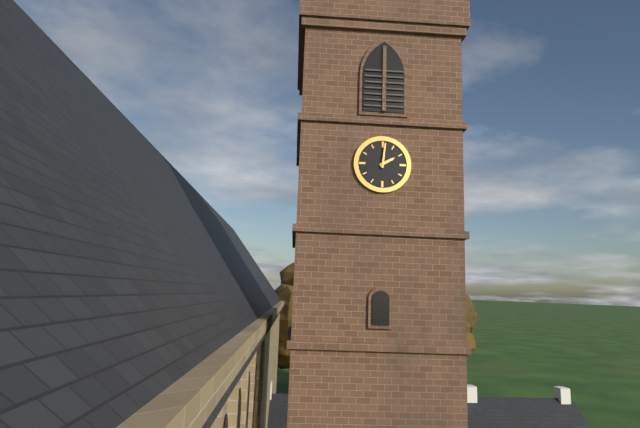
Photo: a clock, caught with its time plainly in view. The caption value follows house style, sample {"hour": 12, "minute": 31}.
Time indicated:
{"hour": 2, "minute": 1}
